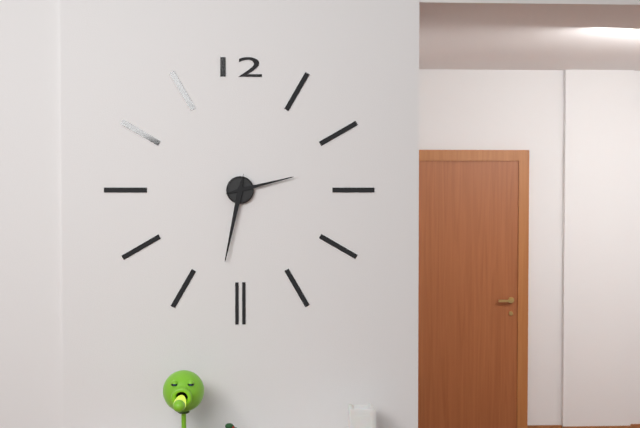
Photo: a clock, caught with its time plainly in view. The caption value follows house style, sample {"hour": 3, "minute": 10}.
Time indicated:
{"hour": 2, "minute": 32}
